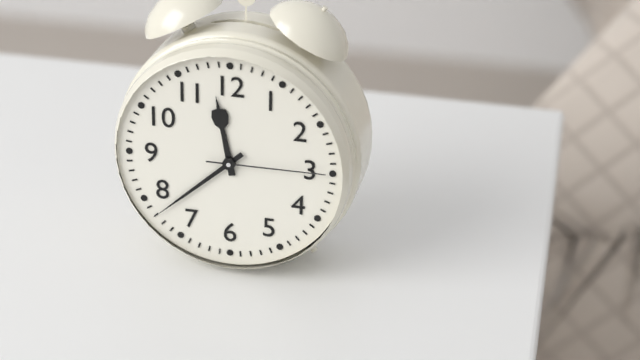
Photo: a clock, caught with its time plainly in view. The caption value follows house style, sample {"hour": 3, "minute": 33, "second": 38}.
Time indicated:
{"hour": 11, "minute": 38, "second": 15}
